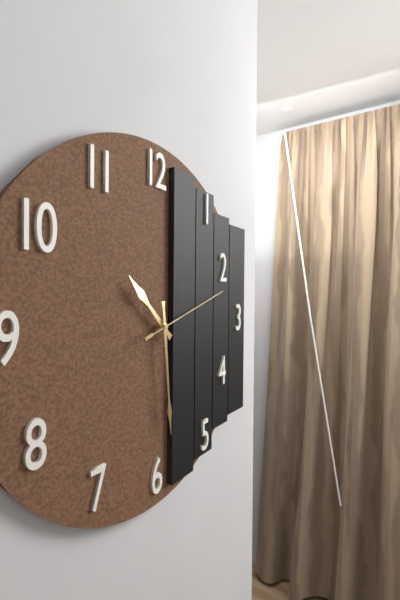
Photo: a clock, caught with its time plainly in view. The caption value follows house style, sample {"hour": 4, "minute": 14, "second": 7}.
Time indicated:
{"hour": 10, "minute": 29, "second": 12}
